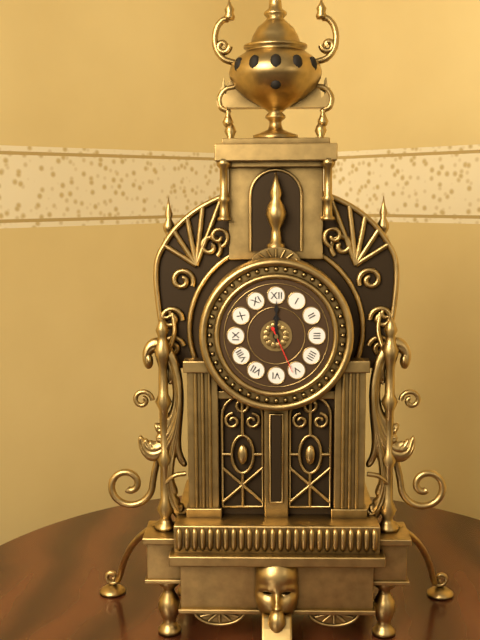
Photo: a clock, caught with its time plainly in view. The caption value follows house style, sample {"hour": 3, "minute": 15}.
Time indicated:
{"hour": 12, "minute": 0}
